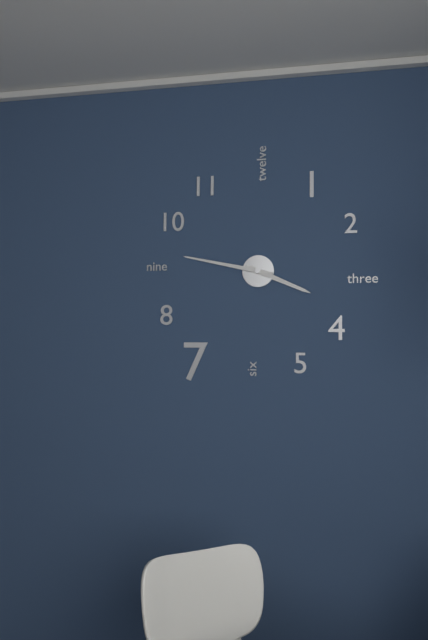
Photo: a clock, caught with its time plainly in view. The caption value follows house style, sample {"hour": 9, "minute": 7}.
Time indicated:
{"hour": 3, "minute": 47}
